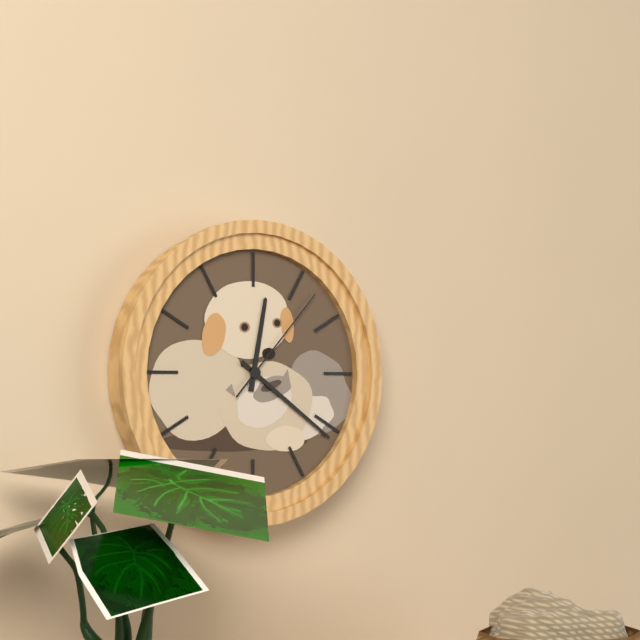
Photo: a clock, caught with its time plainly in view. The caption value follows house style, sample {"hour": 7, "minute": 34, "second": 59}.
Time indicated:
{"hour": 12, "minute": 21, "second": 7}
